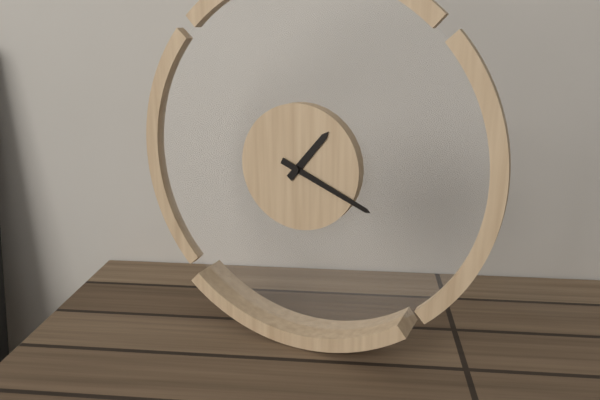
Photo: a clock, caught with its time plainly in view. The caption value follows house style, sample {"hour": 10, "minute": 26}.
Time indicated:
{"hour": 1, "minute": 19}
